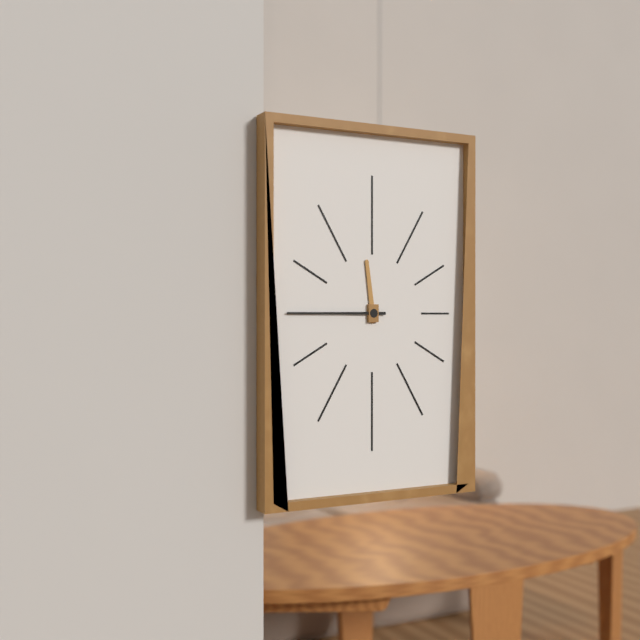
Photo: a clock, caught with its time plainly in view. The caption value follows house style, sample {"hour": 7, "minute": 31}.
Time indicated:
{"hour": 11, "minute": 45}
